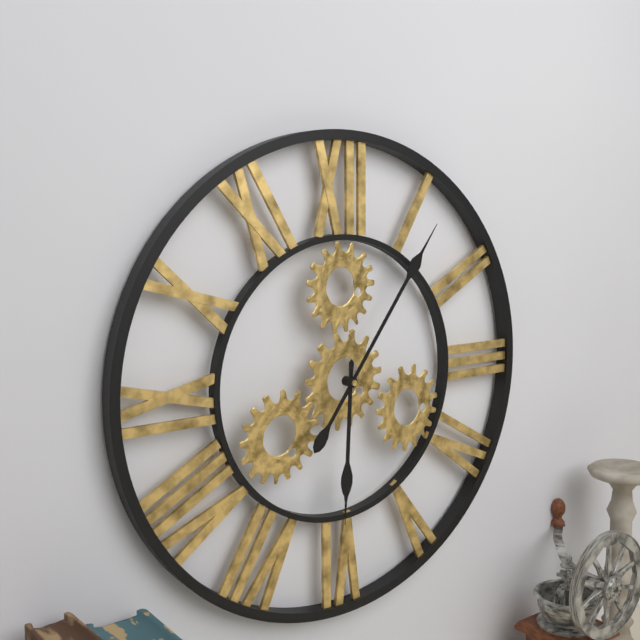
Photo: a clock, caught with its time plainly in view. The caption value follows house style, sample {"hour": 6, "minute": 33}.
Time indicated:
{"hour": 6, "minute": 6}
